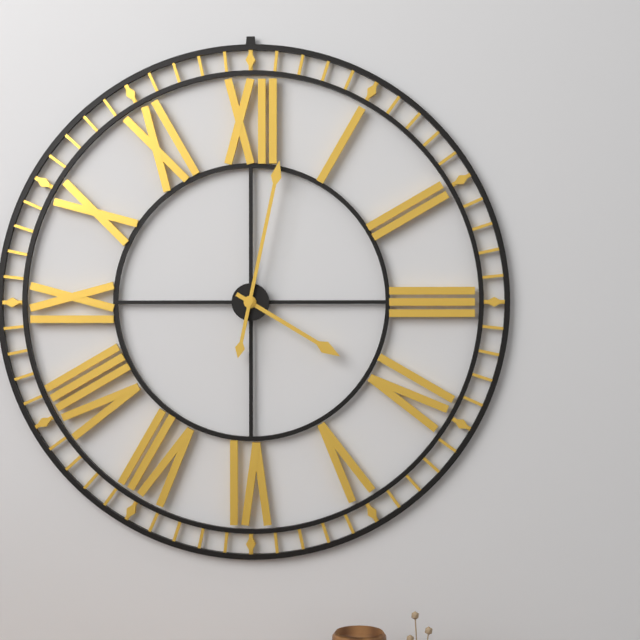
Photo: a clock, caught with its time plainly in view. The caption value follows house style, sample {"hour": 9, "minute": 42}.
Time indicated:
{"hour": 4, "minute": 2}
